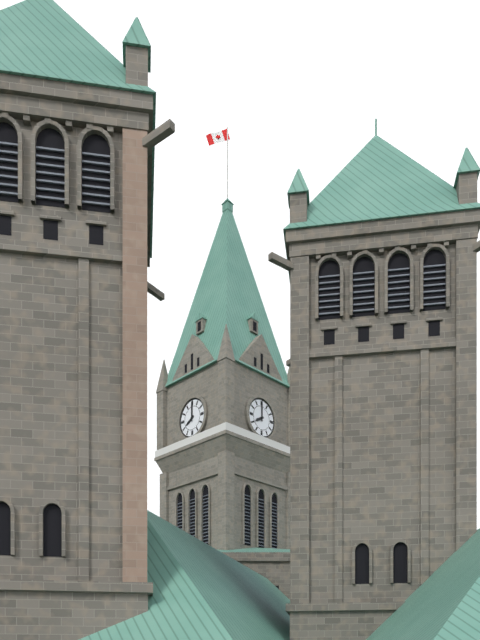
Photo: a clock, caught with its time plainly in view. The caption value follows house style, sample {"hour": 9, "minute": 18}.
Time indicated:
{"hour": 8, "minute": 0}
